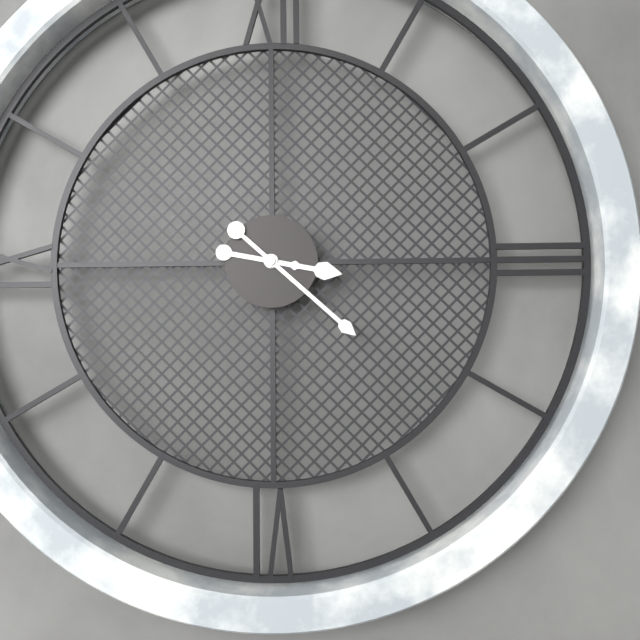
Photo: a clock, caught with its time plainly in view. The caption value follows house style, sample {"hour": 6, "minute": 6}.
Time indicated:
{"hour": 3, "minute": 22}
